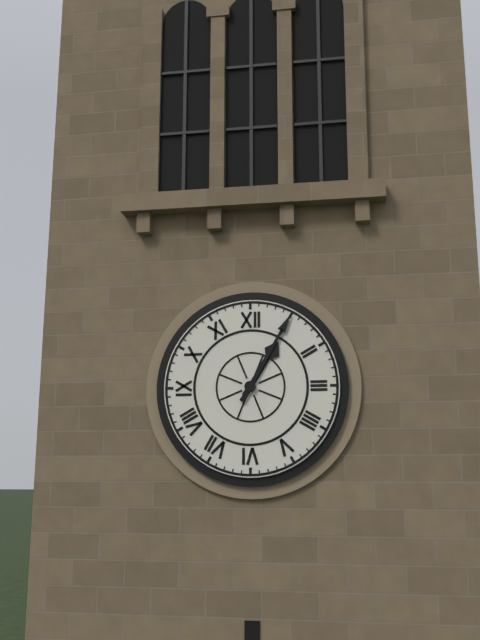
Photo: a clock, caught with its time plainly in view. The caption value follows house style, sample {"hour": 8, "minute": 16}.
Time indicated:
{"hour": 1, "minute": 5}
